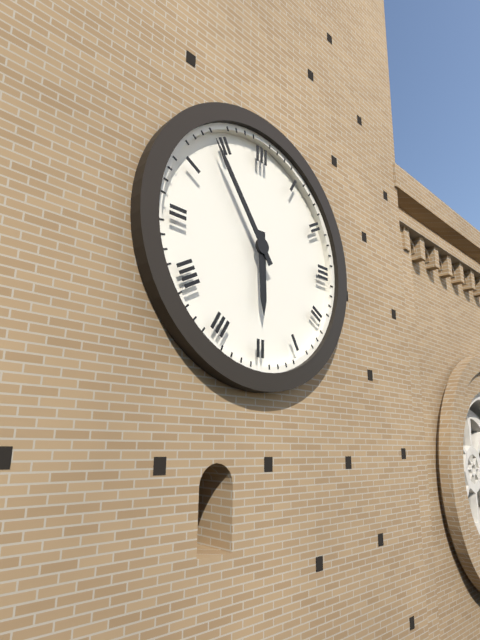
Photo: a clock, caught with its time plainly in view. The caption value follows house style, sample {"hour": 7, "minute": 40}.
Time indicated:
{"hour": 5, "minute": 54}
